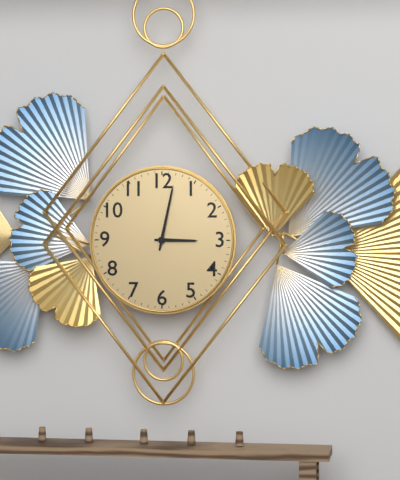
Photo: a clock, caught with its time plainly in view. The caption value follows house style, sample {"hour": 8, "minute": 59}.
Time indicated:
{"hour": 3, "minute": 2}
